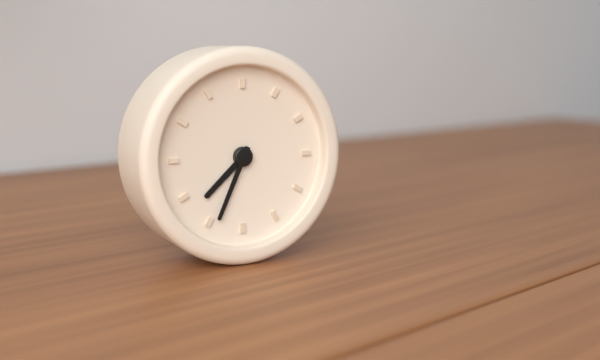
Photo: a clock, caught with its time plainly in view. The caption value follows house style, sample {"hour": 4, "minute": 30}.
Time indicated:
{"hour": 7, "minute": 34}
